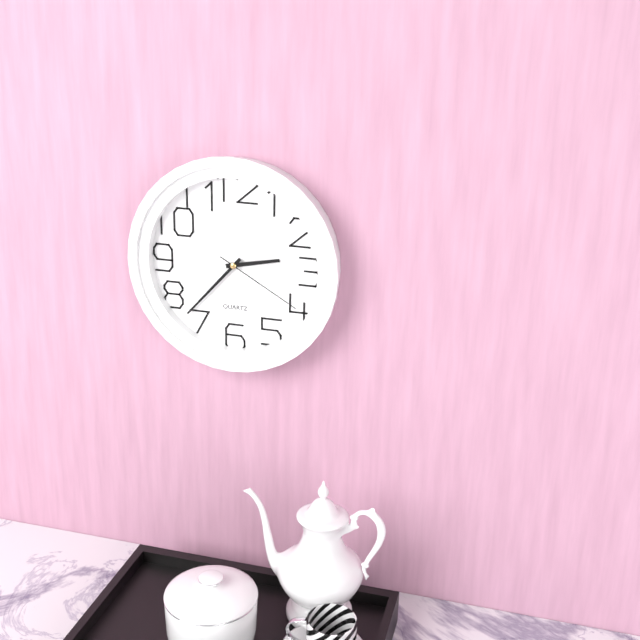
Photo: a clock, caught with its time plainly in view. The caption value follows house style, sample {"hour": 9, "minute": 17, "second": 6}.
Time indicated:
{"hour": 2, "minute": 37, "second": 20}
